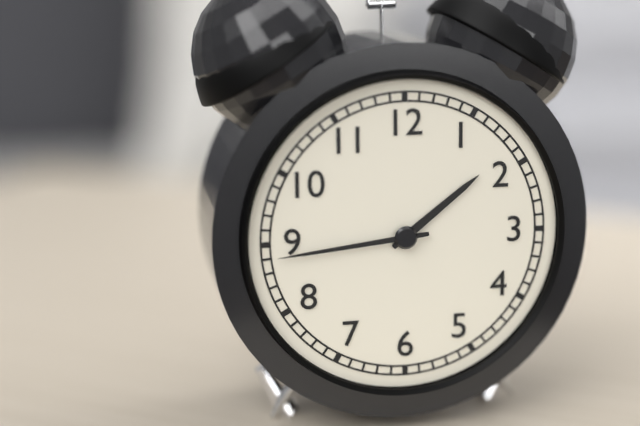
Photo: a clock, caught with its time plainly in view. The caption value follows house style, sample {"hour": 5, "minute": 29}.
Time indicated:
{"hour": 1, "minute": 44}
